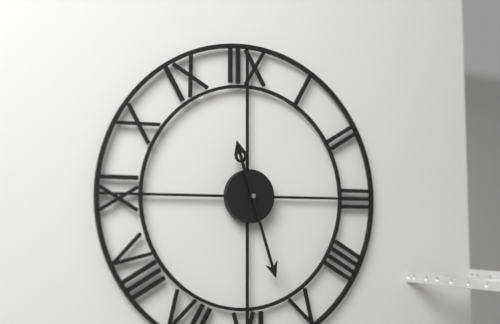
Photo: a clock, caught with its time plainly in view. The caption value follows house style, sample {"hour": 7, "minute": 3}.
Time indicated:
{"hour": 11, "minute": 27}
